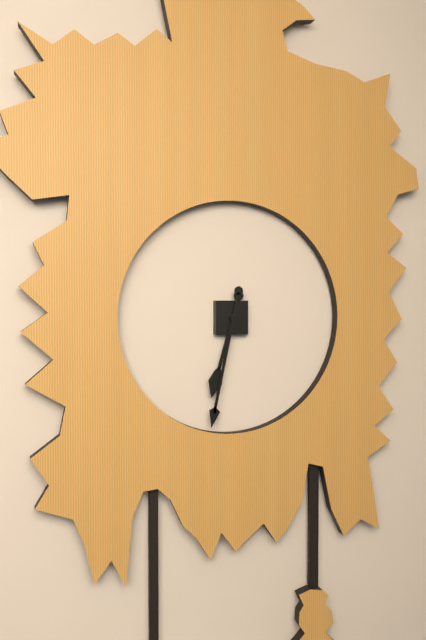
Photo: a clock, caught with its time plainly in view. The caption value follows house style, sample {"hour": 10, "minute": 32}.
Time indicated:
{"hour": 6, "minute": 32}
